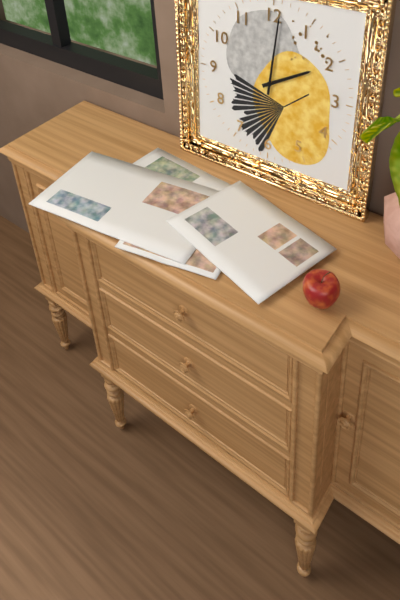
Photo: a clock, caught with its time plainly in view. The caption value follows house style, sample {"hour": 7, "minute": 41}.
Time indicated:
{"hour": 2, "minute": 1}
